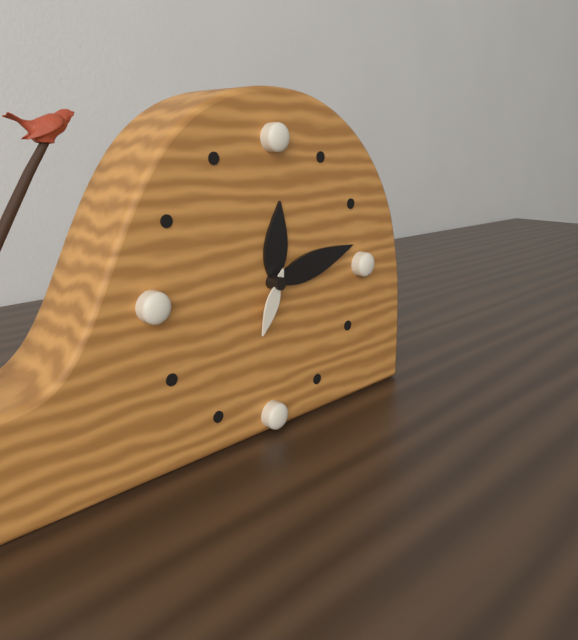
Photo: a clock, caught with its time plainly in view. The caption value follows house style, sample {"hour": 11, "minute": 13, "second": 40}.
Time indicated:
{"hour": 12, "minute": 13, "second": 34}
